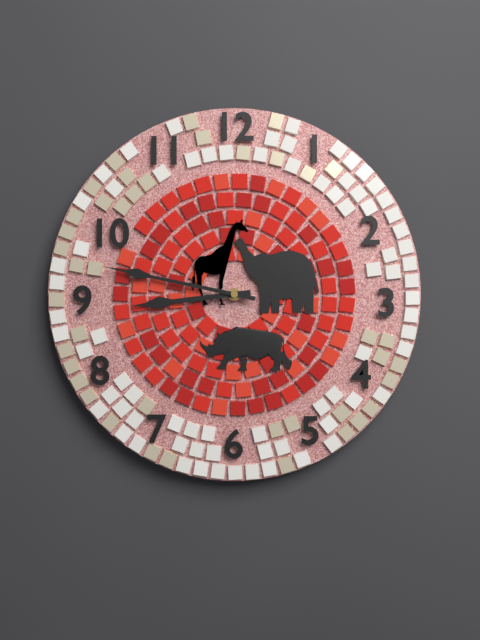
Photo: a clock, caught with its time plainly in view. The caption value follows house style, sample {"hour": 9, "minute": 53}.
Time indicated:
{"hour": 8, "minute": 47}
